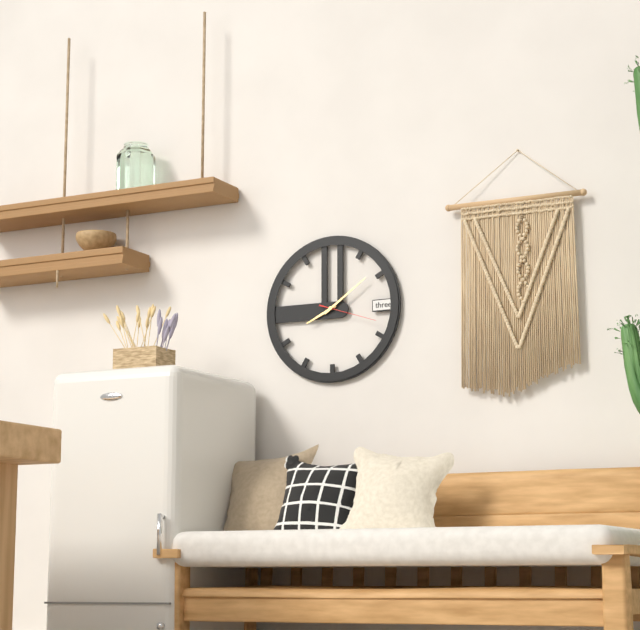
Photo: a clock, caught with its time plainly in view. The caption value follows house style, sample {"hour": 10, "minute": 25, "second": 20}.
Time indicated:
{"hour": 8, "minute": 9, "second": 18}
